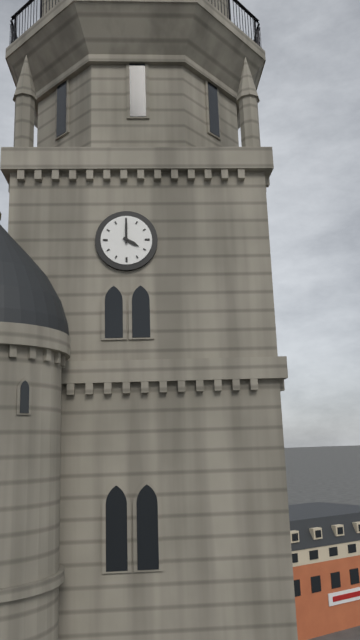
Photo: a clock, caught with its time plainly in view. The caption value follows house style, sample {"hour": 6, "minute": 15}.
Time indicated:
{"hour": 4, "minute": 0}
